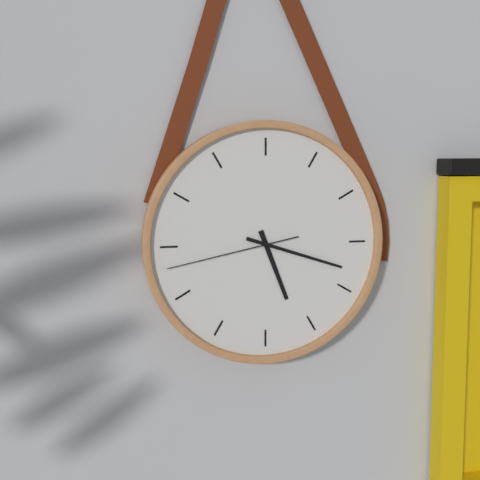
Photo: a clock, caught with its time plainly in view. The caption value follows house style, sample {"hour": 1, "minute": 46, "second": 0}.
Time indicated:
{"hour": 5, "minute": 18, "second": 43}
